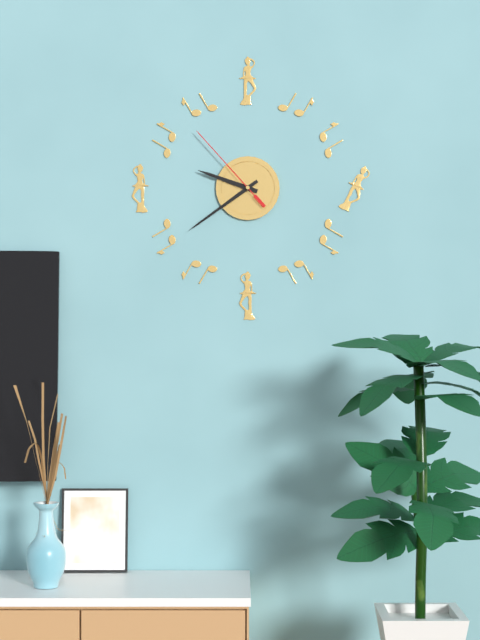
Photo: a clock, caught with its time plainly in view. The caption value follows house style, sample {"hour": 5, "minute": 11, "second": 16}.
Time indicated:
{"hour": 9, "minute": 39, "second": 53}
